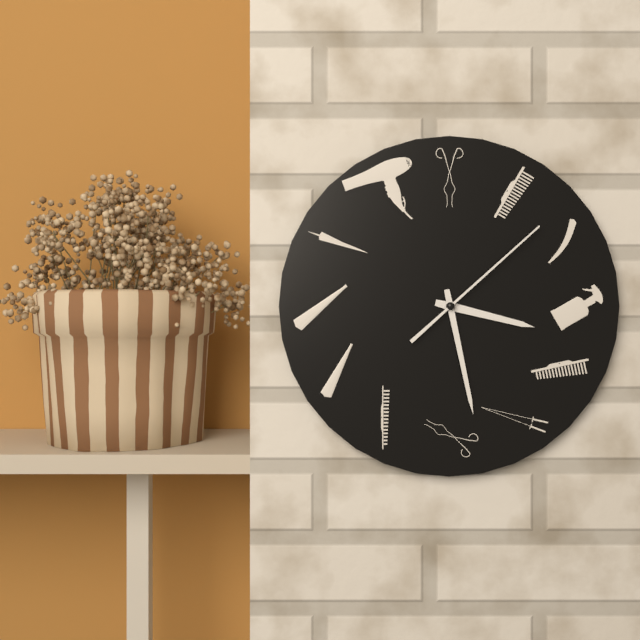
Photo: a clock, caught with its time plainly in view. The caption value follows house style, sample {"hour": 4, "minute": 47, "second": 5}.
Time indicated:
{"hour": 3, "minute": 28, "second": 8}
